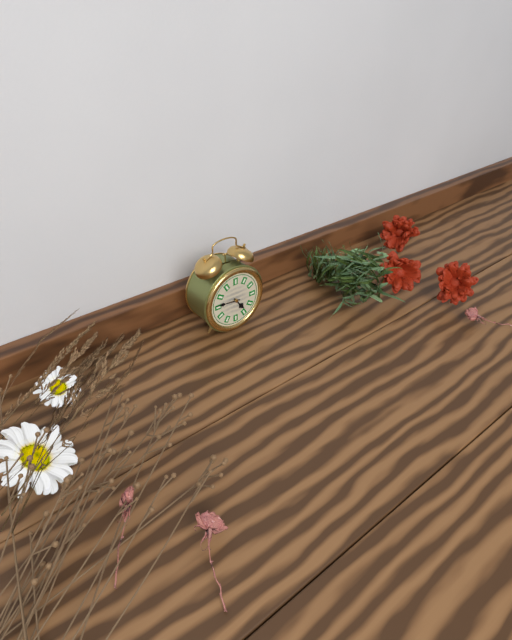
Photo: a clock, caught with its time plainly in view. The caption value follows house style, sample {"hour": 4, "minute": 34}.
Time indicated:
{"hour": 4, "minute": 46}
